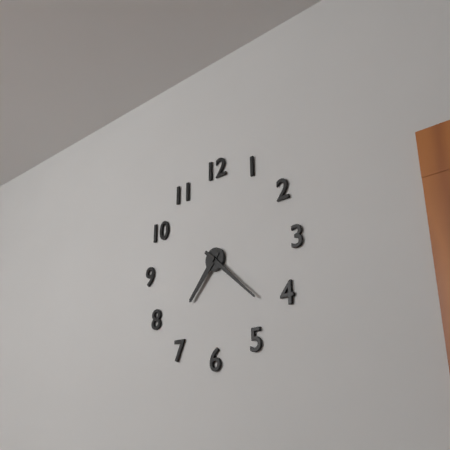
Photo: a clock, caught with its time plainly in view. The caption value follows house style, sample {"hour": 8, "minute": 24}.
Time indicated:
{"hour": 7, "minute": 22}
